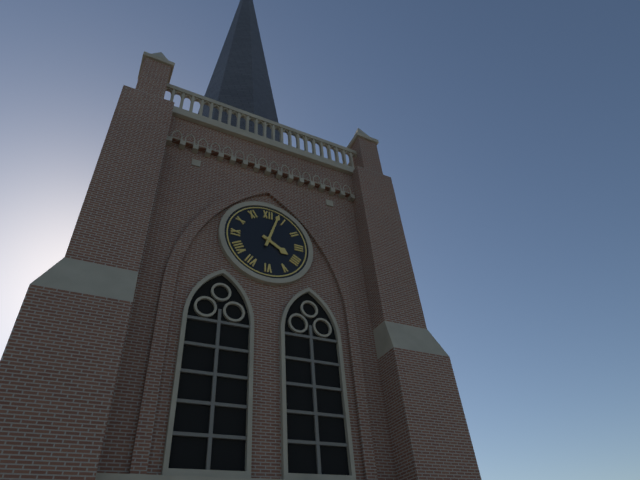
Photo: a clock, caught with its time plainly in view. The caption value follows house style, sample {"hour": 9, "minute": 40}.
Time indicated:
{"hour": 4, "minute": 3}
